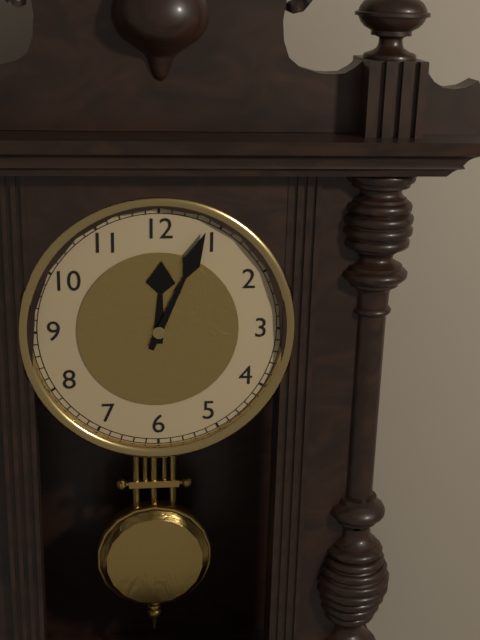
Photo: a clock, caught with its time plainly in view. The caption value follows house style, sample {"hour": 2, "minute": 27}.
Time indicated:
{"hour": 12, "minute": 4}
